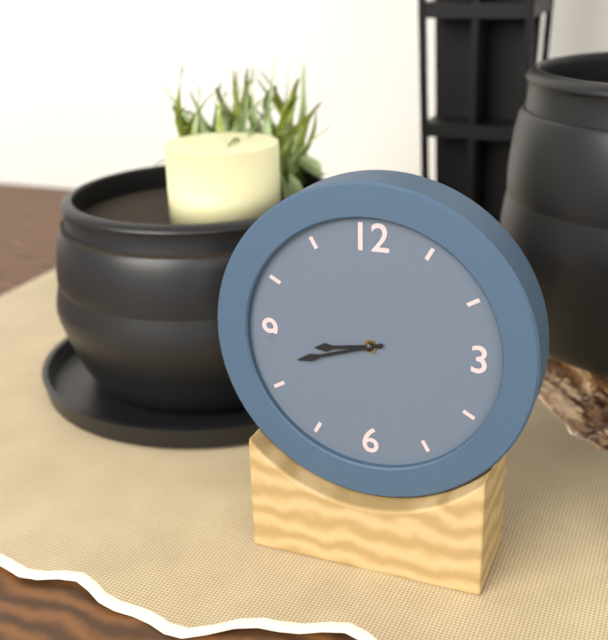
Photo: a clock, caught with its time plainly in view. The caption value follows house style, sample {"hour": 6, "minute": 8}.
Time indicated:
{"hour": 8, "minute": 42}
